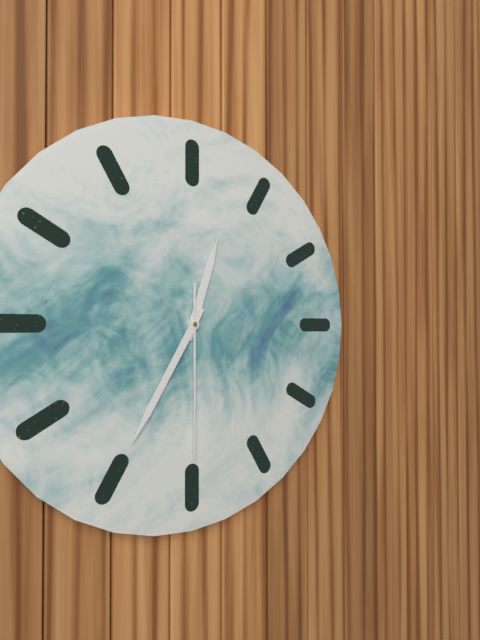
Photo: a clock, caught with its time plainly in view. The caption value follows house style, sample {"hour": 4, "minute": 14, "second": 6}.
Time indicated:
{"hour": 12, "minute": 35, "second": 30}
